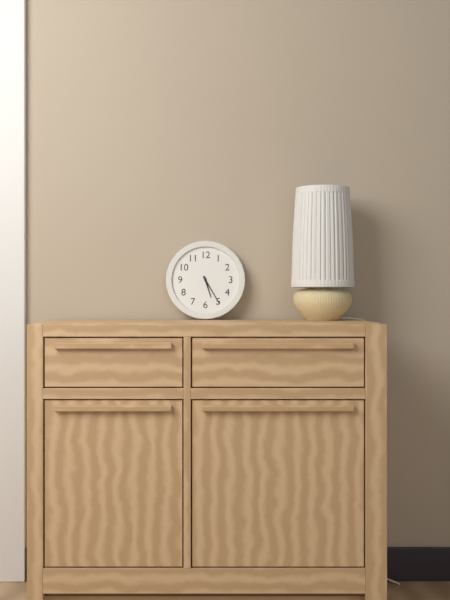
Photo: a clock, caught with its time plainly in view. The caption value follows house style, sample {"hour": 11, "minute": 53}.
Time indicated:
{"hour": 5, "minute": 25}
